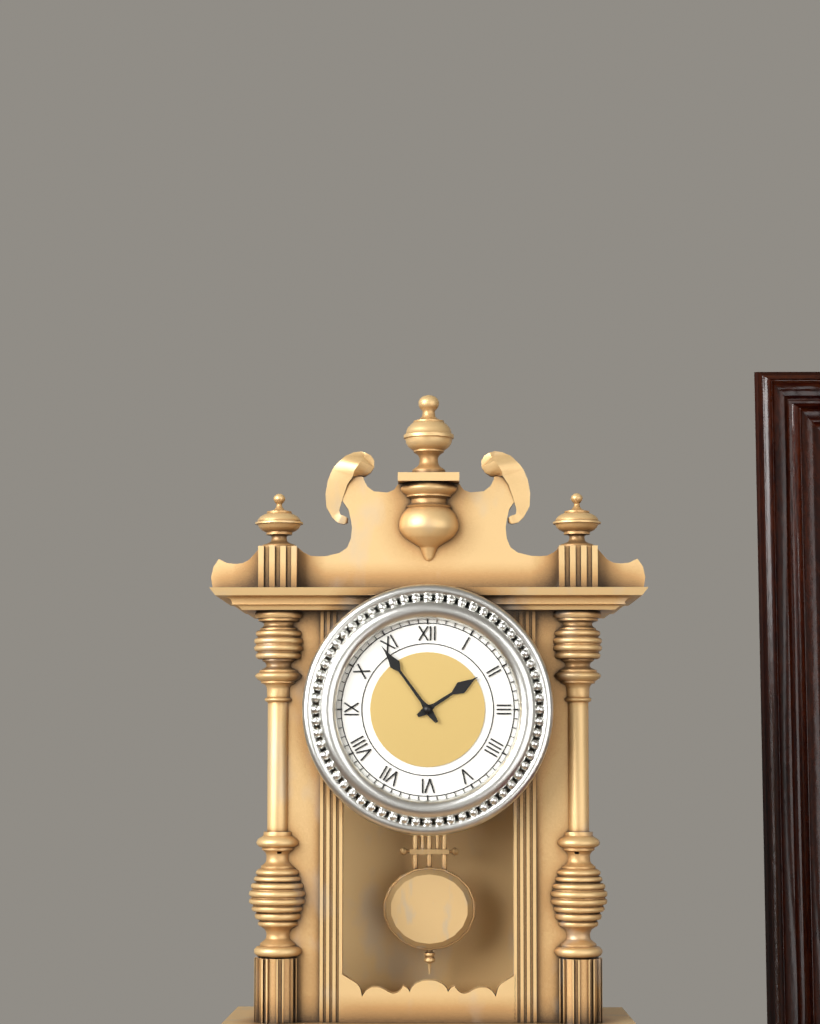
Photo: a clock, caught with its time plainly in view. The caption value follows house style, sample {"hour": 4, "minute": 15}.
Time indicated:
{"hour": 1, "minute": 54}
